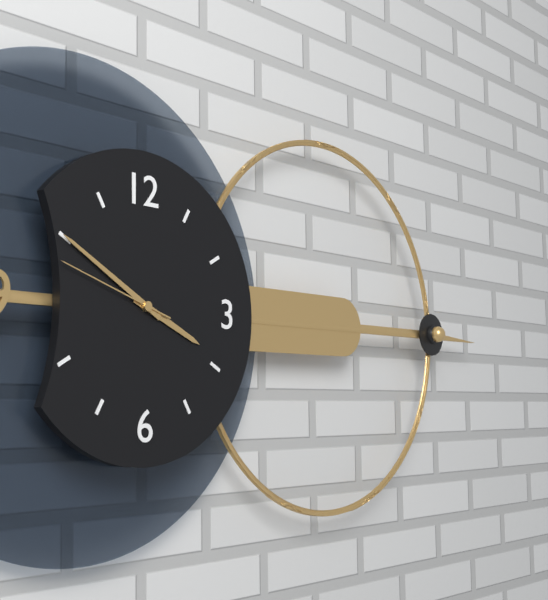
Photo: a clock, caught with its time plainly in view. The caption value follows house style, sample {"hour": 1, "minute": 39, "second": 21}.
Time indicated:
{"hour": 3, "minute": 50, "second": 48}
